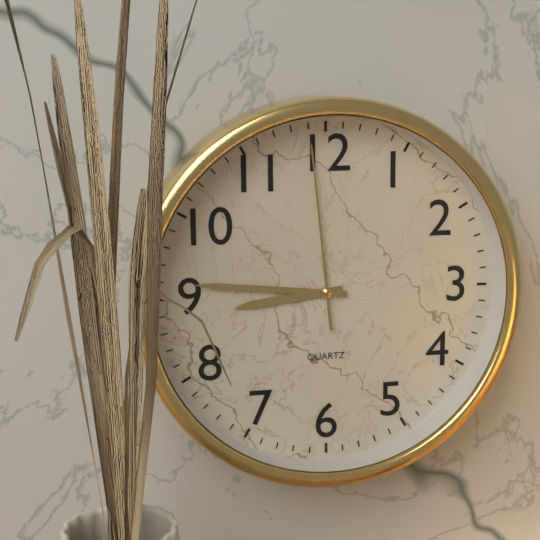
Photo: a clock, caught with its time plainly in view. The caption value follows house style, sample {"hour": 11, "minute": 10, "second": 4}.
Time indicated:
{"hour": 8, "minute": 46, "second": 59}
